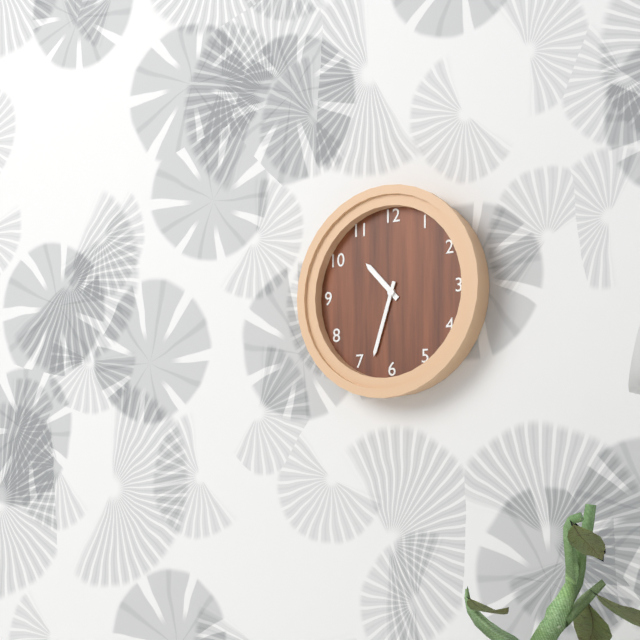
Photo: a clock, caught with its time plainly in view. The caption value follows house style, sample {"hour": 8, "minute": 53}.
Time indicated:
{"hour": 10, "minute": 33}
